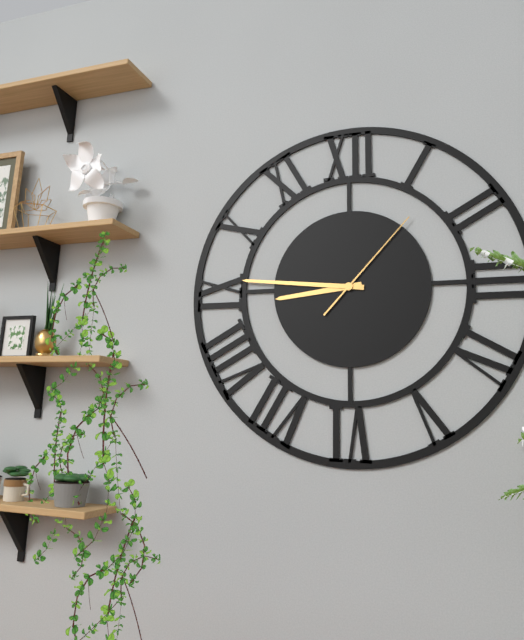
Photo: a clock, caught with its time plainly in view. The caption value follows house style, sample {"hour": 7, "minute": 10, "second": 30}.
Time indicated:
{"hour": 8, "minute": 46, "second": 7}
